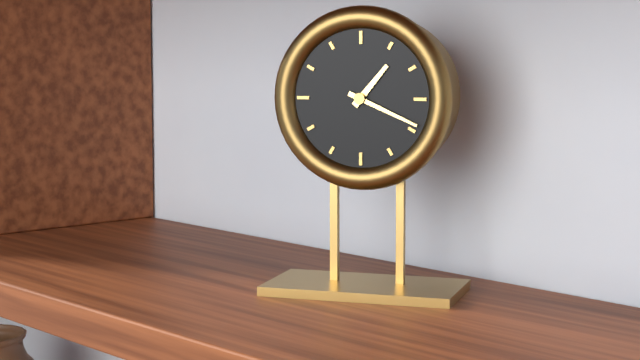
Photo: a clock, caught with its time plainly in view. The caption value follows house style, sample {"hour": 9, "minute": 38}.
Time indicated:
{"hour": 1, "minute": 19}
